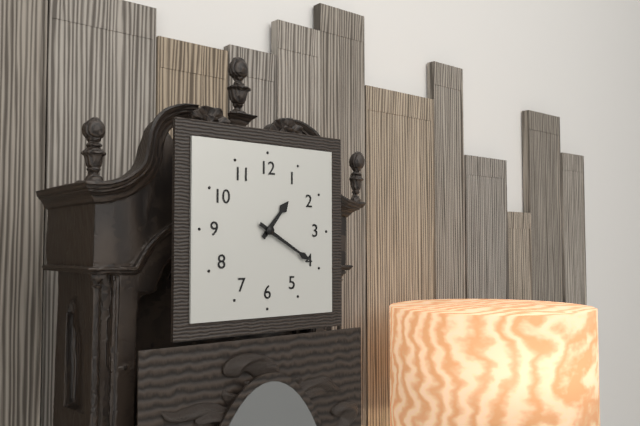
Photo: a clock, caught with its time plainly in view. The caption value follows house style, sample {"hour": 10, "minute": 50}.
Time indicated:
{"hour": 1, "minute": 20}
